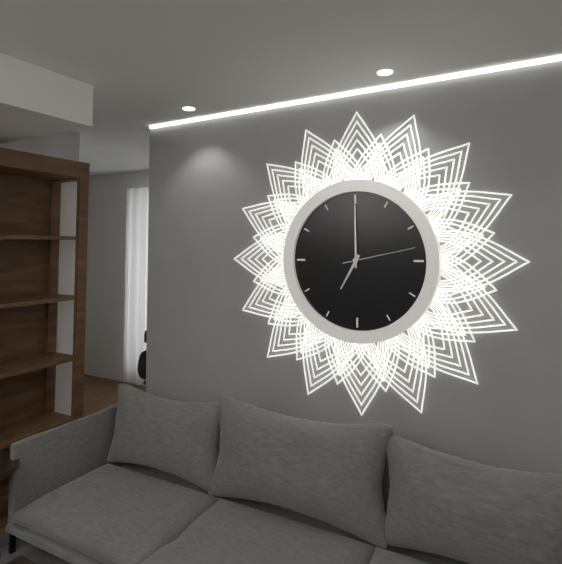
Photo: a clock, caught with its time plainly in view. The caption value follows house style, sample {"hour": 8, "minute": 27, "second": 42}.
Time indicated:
{"hour": 7, "minute": 0, "second": 13}
